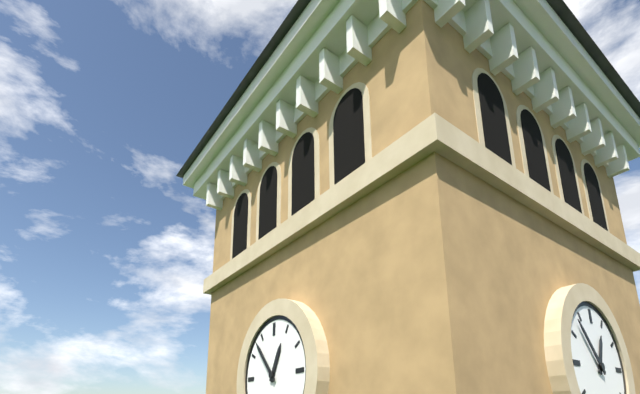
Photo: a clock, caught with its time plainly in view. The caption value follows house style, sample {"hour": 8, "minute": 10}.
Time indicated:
{"hour": 12, "minute": 53}
